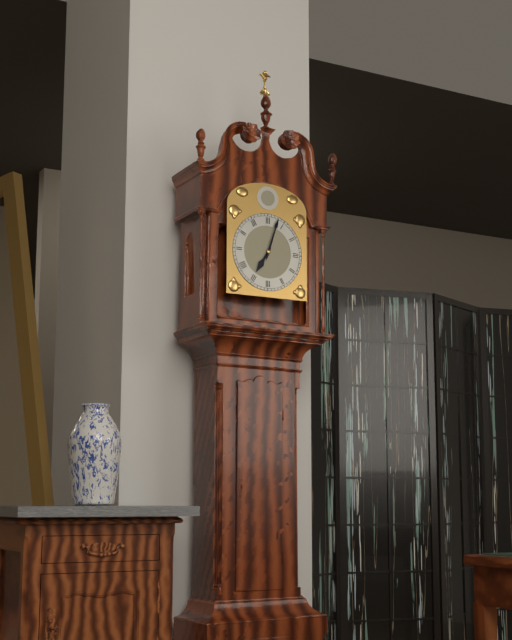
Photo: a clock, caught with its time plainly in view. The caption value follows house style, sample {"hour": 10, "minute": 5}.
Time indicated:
{"hour": 7, "minute": 3}
